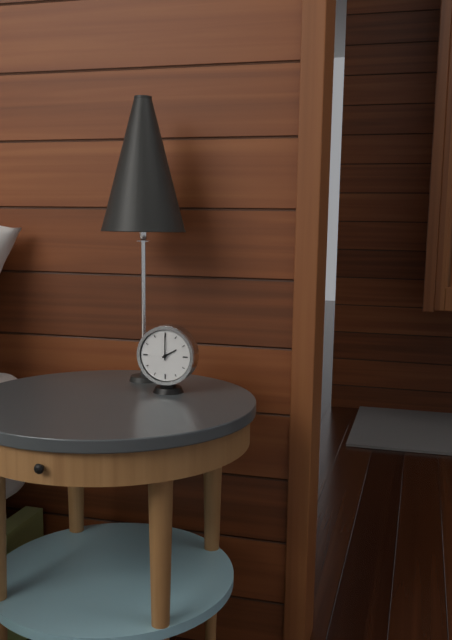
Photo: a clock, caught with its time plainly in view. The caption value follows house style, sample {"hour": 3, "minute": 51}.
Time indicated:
{"hour": 2, "minute": 0}
